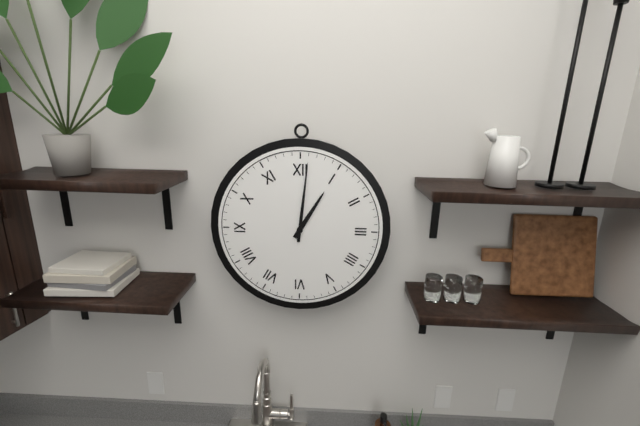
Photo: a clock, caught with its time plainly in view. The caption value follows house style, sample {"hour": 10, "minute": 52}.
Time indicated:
{"hour": 1, "minute": 1}
